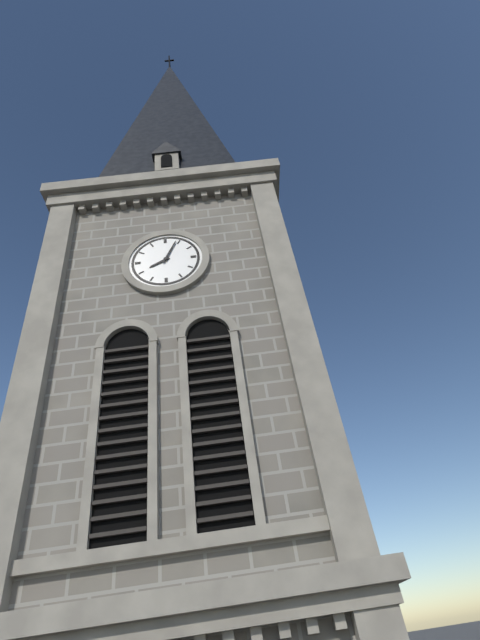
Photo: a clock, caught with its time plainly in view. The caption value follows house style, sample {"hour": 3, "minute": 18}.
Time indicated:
{"hour": 8, "minute": 4}
